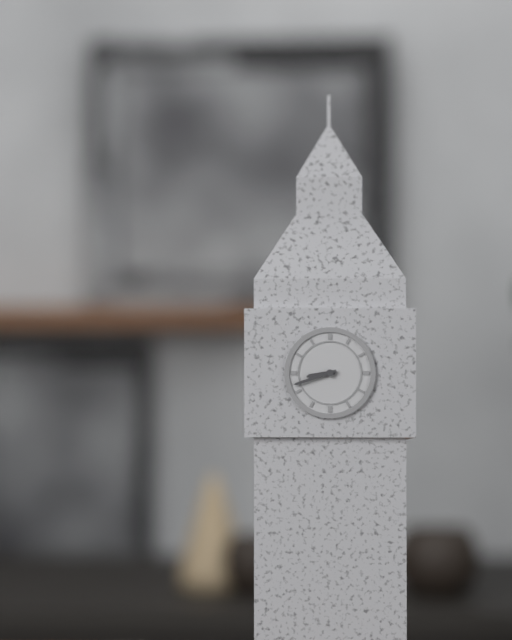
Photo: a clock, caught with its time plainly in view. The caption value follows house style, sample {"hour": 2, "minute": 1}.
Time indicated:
{"hour": 8, "minute": 42}
